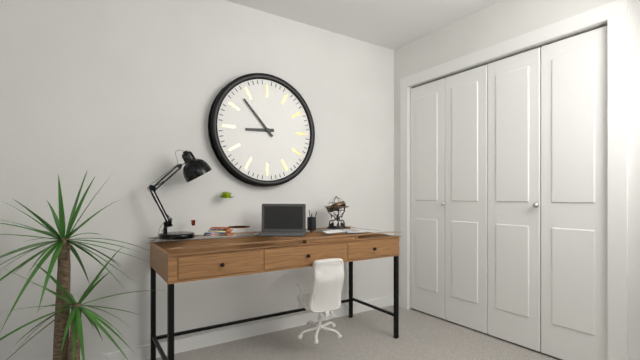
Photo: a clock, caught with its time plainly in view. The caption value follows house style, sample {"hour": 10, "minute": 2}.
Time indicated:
{"hour": 8, "minute": 53}
